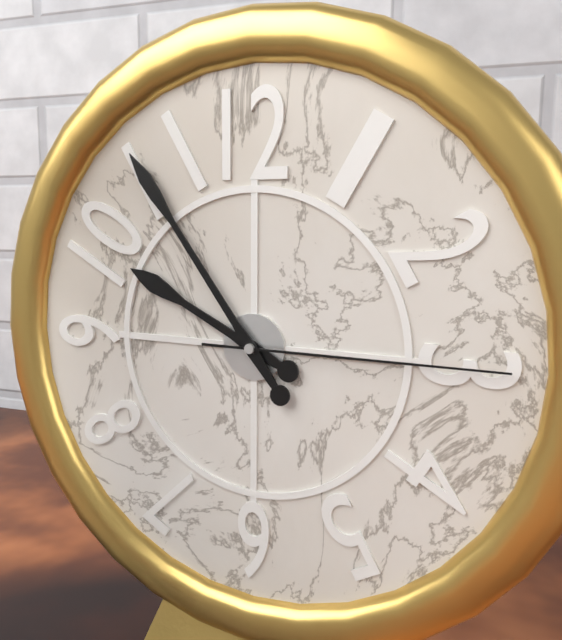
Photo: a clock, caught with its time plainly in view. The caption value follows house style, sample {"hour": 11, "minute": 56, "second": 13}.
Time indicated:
{"hour": 9, "minute": 54, "second": 15}
